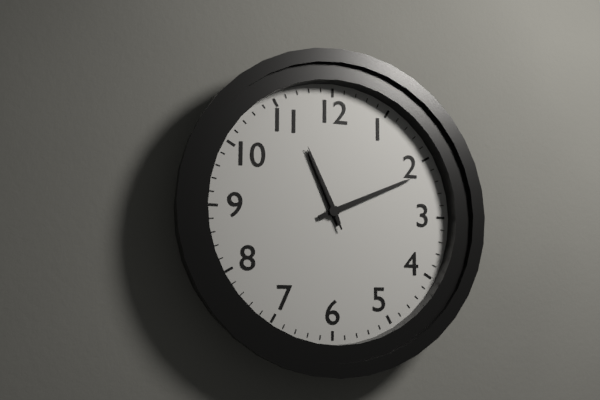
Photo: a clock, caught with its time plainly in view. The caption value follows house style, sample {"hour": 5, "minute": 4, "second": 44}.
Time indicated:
{"hour": 11, "minute": 11, "second": 56}
